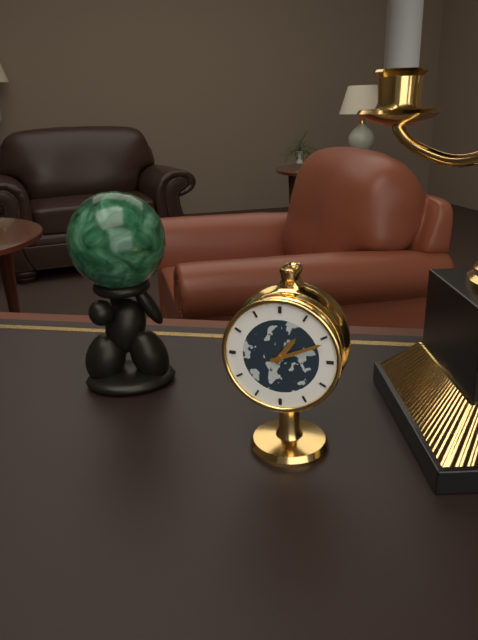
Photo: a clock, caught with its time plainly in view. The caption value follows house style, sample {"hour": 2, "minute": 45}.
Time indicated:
{"hour": 1, "minute": 11}
